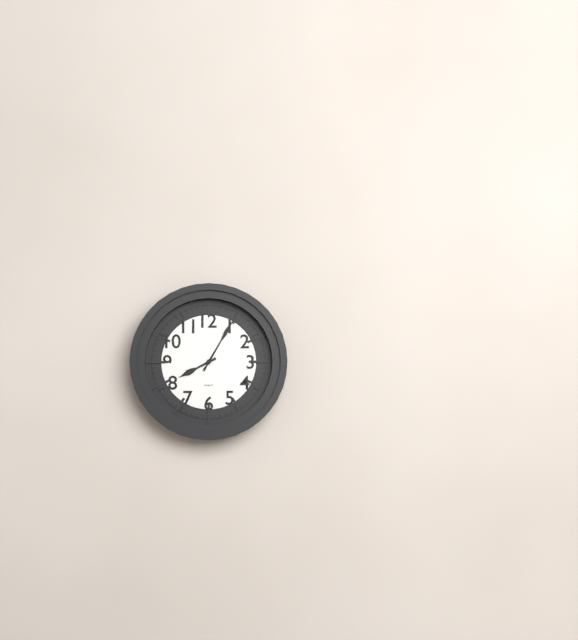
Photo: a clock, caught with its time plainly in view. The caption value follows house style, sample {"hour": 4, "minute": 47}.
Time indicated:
{"hour": 8, "minute": 5}
